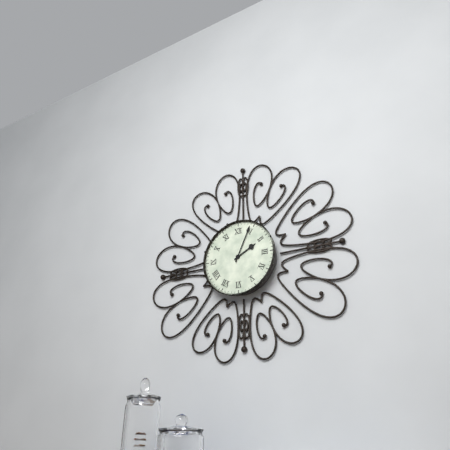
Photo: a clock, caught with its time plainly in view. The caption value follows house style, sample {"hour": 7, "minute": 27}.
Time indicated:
{"hour": 2, "minute": 4}
